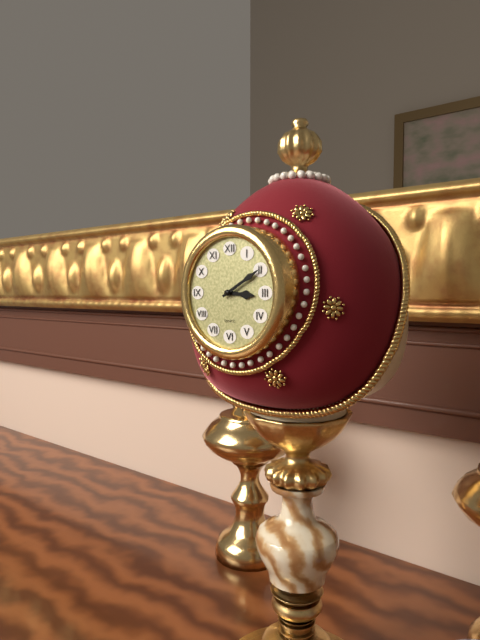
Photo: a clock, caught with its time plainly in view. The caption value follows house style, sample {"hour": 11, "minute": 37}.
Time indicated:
{"hour": 3, "minute": 10}
